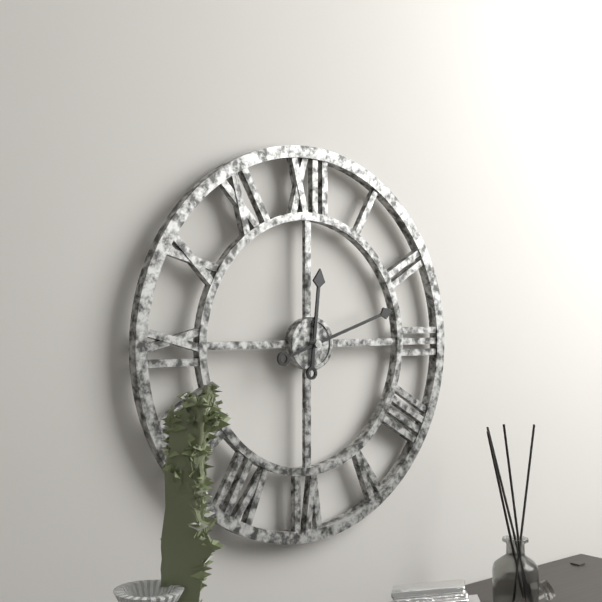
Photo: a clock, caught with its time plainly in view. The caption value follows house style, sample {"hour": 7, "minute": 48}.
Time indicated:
{"hour": 12, "minute": 12}
